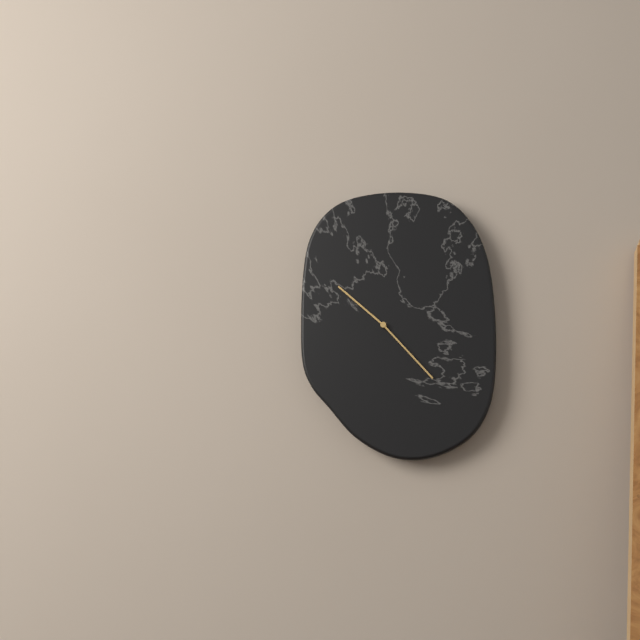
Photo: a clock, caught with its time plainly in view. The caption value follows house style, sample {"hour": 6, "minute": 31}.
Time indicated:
{"hour": 10, "minute": 23}
